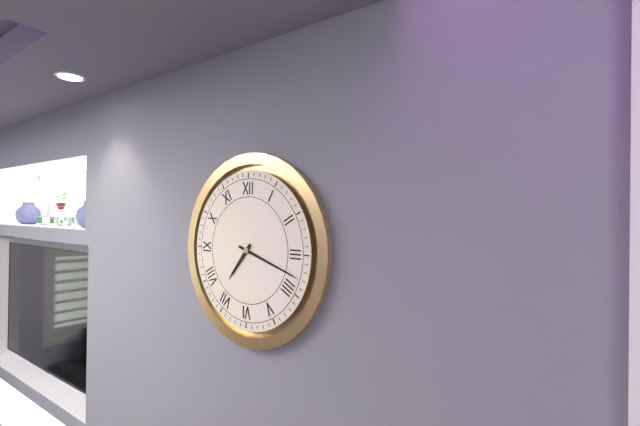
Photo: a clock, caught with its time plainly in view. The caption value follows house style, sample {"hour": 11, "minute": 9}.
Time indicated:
{"hour": 7, "minute": 18}
